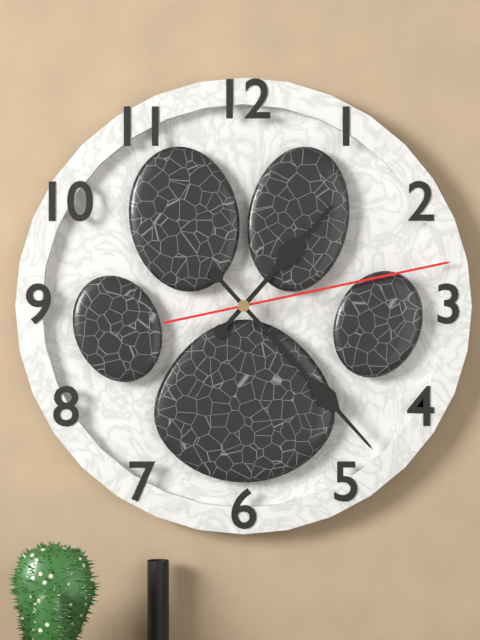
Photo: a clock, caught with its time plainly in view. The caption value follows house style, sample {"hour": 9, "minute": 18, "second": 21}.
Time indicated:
{"hour": 1, "minute": 23, "second": 13}
